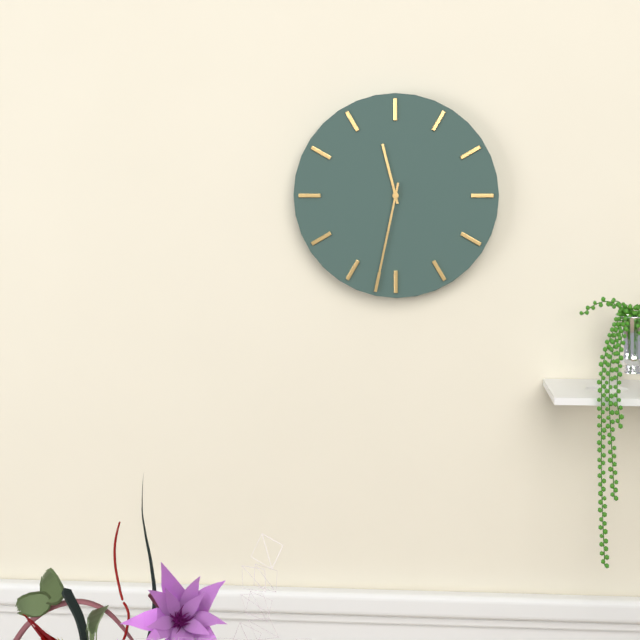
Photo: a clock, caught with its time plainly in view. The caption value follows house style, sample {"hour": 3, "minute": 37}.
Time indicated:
{"hour": 11, "minute": 32}
